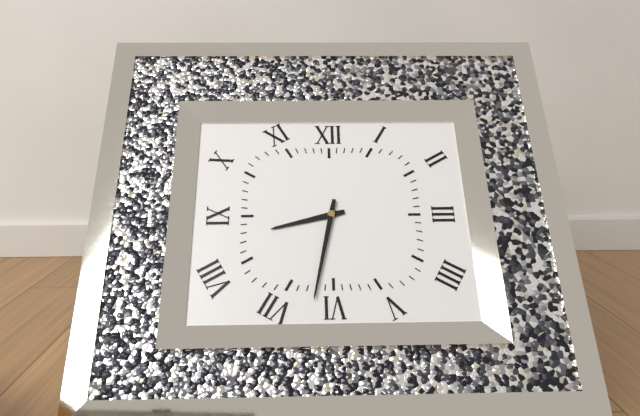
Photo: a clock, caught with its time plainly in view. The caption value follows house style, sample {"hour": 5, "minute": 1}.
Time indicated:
{"hour": 8, "minute": 32}
